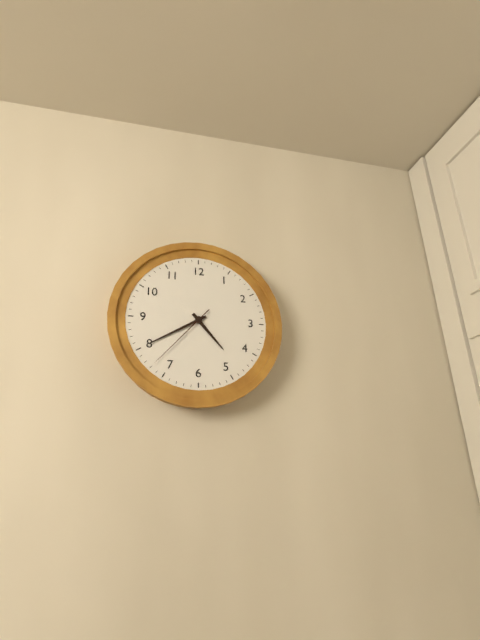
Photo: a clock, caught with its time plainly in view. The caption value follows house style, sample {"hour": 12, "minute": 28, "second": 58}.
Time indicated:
{"hour": 4, "minute": 40, "second": 37}
